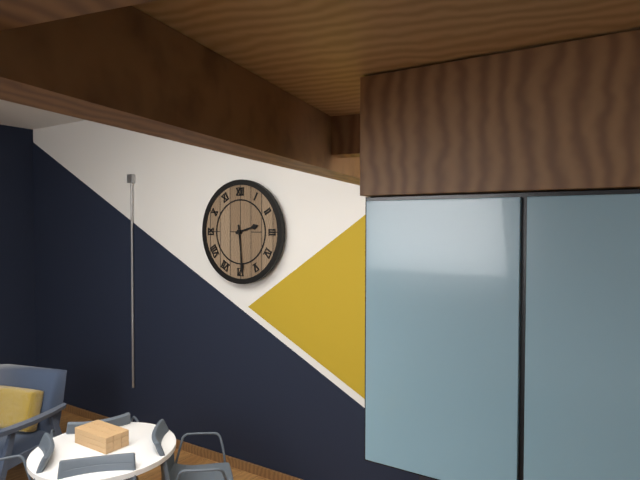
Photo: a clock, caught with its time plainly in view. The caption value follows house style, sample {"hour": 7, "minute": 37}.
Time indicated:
{"hour": 2, "minute": 29}
